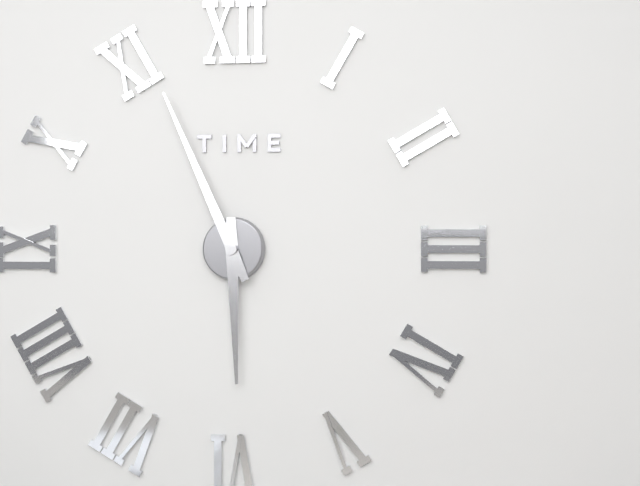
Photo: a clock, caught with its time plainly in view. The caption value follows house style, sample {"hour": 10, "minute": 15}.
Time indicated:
{"hour": 5, "minute": 56}
